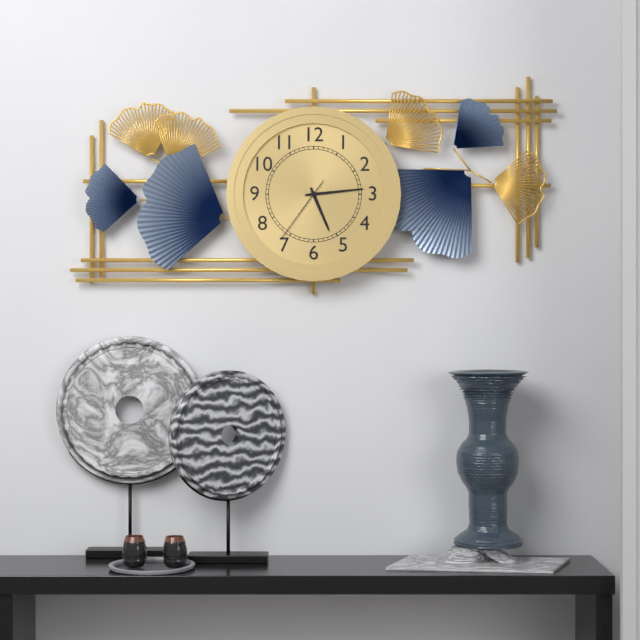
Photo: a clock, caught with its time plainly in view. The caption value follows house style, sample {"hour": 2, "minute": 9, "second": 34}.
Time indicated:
{"hour": 5, "minute": 14, "second": 36}
